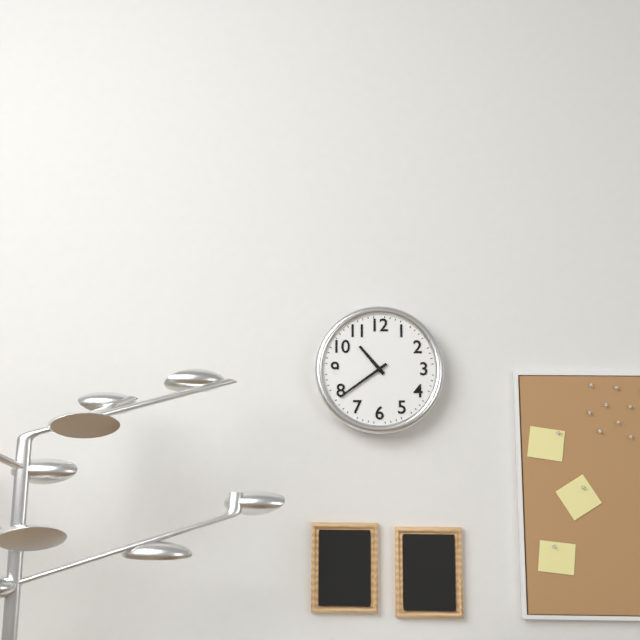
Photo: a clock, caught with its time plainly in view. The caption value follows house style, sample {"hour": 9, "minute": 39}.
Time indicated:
{"hour": 10, "minute": 39}
